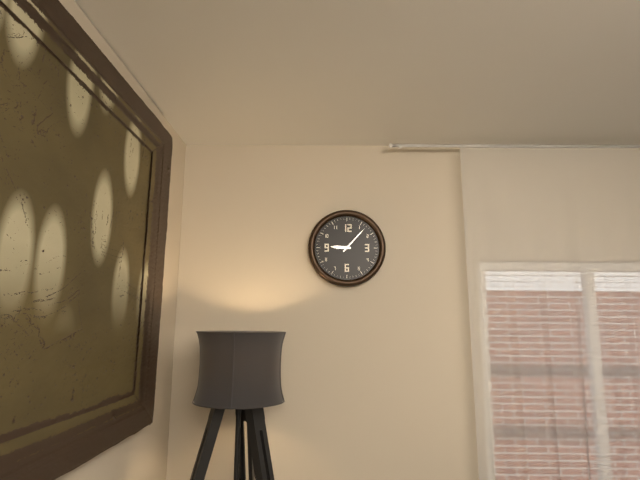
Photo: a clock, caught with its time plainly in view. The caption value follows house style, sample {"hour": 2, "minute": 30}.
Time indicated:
{"hour": 9, "minute": 7}
